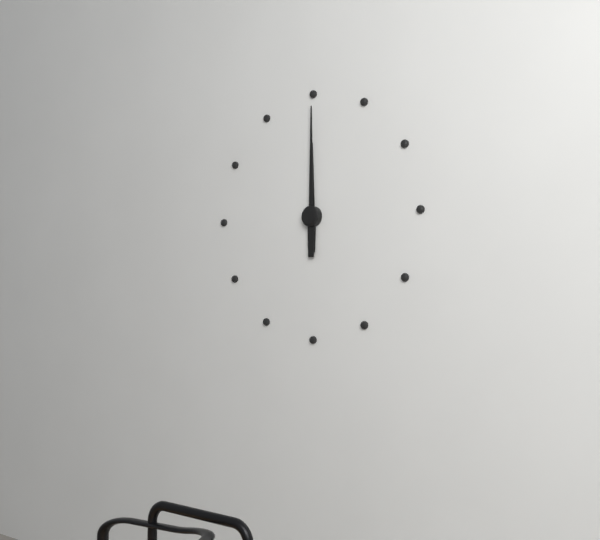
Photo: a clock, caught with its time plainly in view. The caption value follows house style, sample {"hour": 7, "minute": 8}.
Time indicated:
{"hour": 12, "minute": 0}
